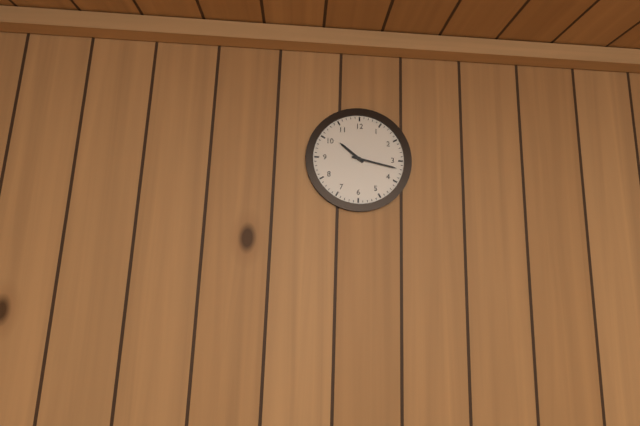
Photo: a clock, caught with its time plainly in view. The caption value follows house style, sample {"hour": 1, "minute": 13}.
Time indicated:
{"hour": 10, "minute": 17}
